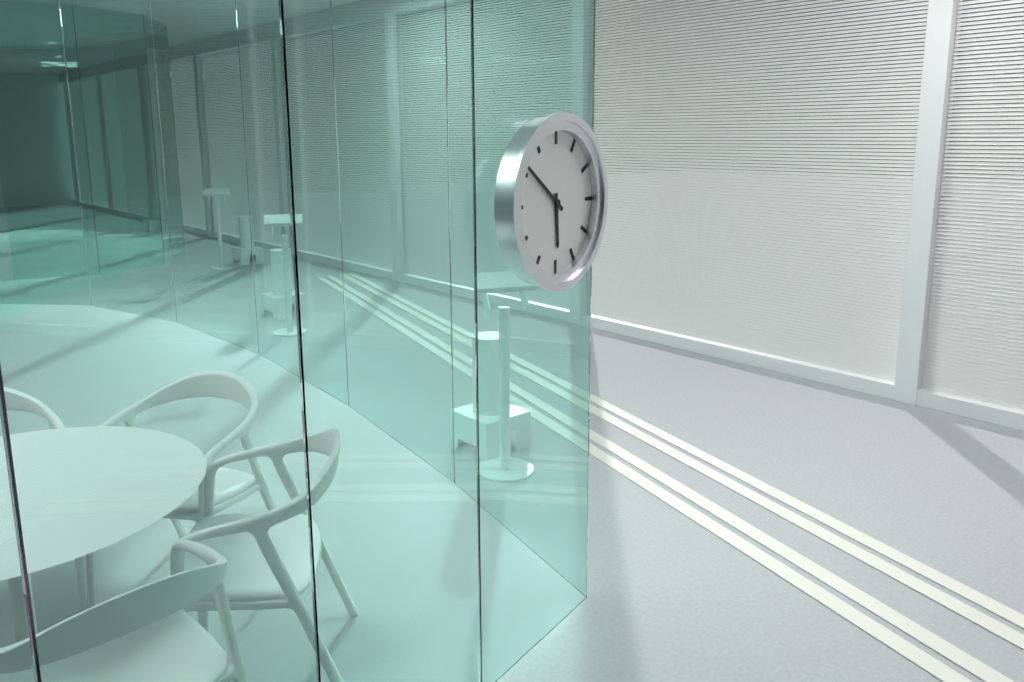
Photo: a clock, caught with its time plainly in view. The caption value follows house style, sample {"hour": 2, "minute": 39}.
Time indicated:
{"hour": 5, "minute": 51}
